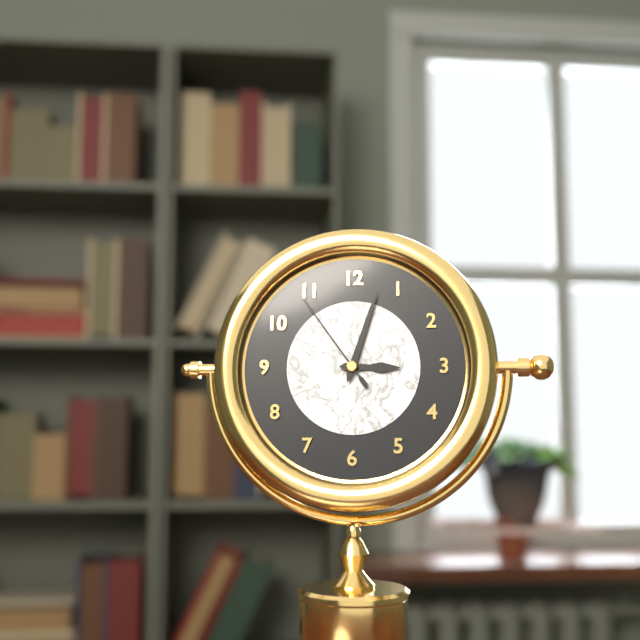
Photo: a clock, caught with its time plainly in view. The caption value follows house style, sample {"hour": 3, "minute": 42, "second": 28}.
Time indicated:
{"hour": 3, "minute": 3, "second": 54}
